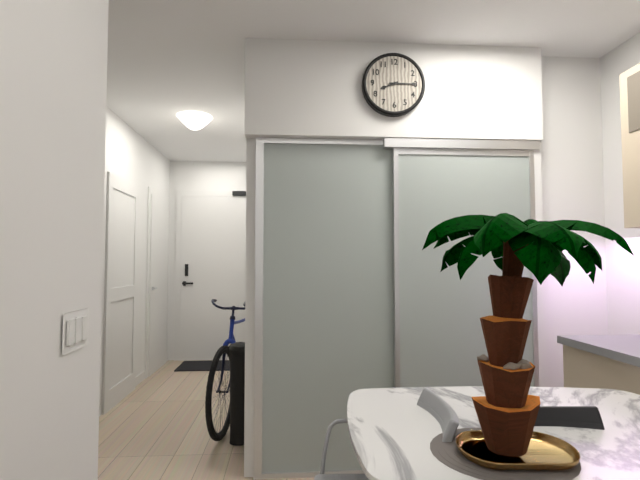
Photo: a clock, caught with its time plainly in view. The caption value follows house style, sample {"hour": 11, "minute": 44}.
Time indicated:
{"hour": 8, "minute": 15}
